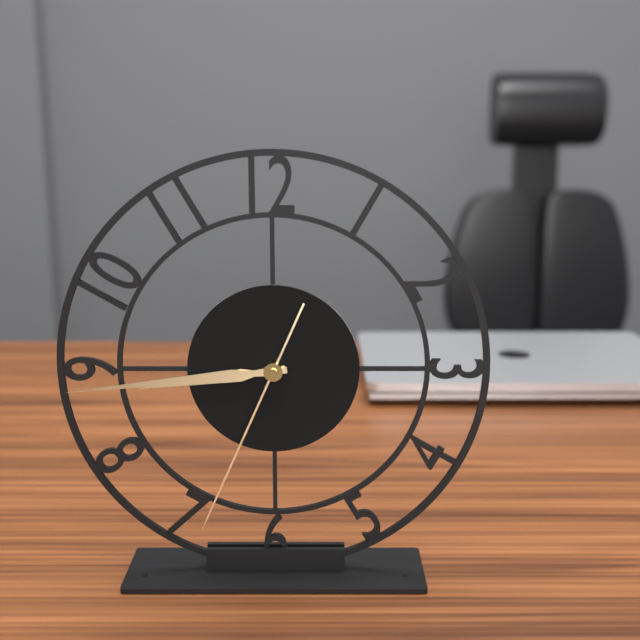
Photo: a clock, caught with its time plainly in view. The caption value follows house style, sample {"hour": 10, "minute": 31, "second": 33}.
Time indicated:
{"hour": 8, "minute": 44, "second": 34}
